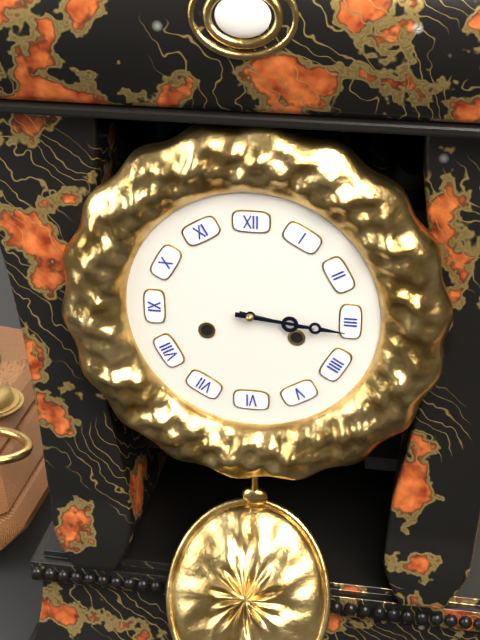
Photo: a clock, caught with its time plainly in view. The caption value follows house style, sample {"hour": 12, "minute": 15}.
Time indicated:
{"hour": 3, "minute": 16}
